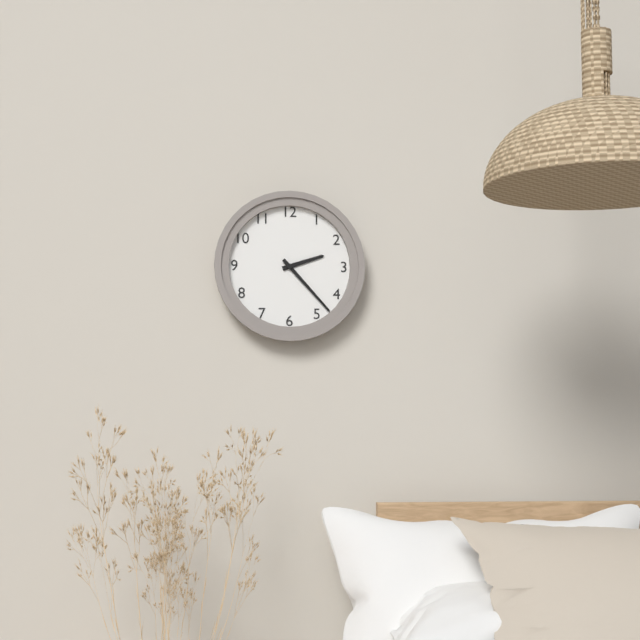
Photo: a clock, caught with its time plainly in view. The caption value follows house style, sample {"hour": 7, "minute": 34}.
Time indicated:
{"hour": 2, "minute": 23}
